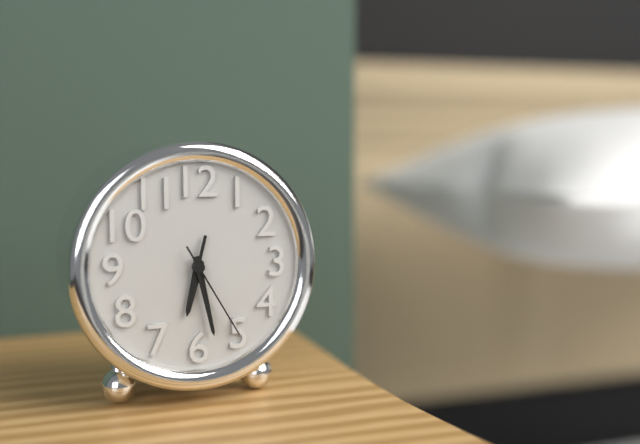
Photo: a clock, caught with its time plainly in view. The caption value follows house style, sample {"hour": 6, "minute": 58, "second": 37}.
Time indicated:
{"hour": 6, "minute": 28, "second": 25}
